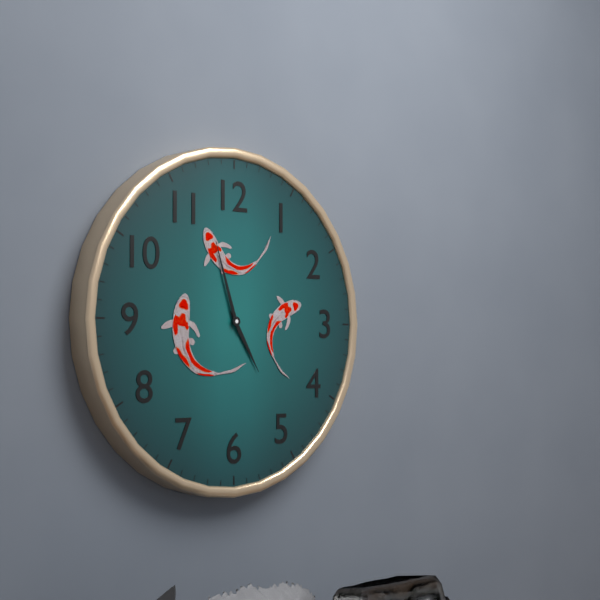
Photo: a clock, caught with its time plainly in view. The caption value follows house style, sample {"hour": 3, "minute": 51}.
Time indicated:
{"hour": 4, "minute": 57}
